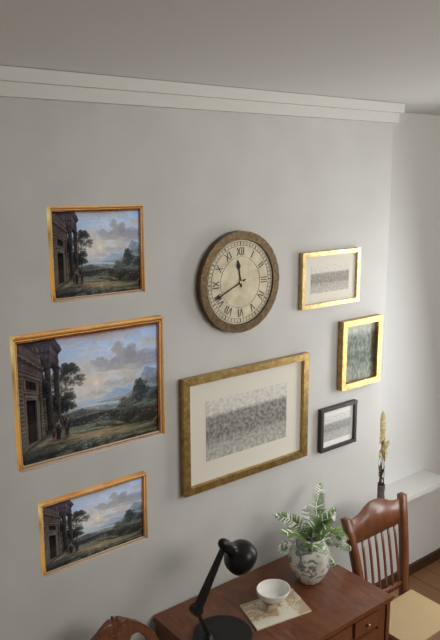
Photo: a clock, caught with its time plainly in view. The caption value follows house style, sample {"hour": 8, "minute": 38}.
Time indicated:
{"hour": 11, "minute": 41}
